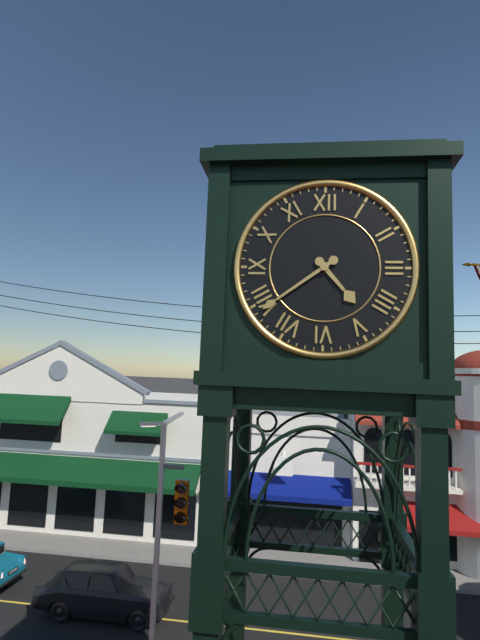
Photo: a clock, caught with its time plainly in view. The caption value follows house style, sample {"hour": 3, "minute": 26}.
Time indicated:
{"hour": 4, "minute": 39}
